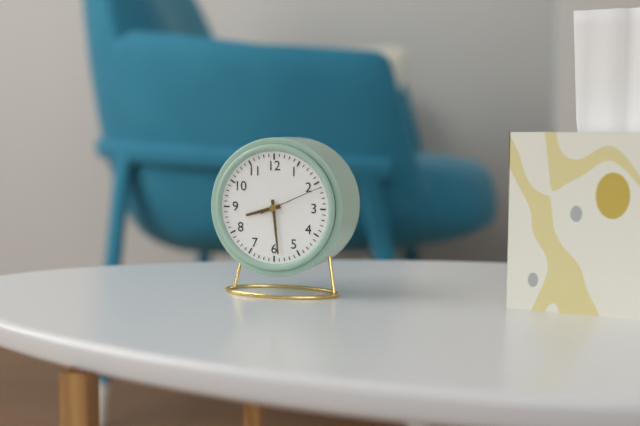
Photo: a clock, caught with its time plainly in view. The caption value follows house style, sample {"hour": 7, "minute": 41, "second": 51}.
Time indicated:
{"hour": 8, "minute": 29, "second": 11}
